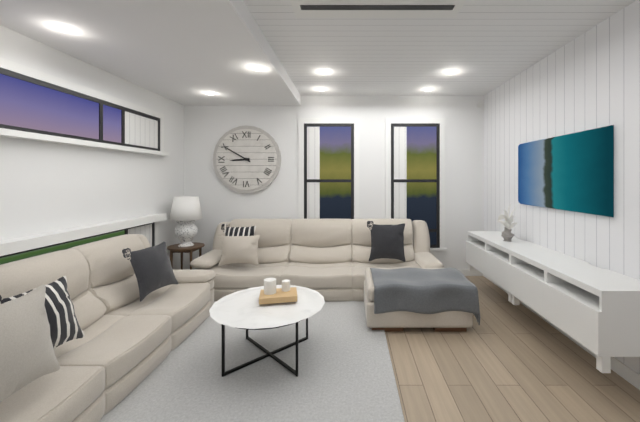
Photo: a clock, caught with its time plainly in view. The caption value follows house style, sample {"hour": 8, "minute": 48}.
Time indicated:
{"hour": 8, "minute": 50}
